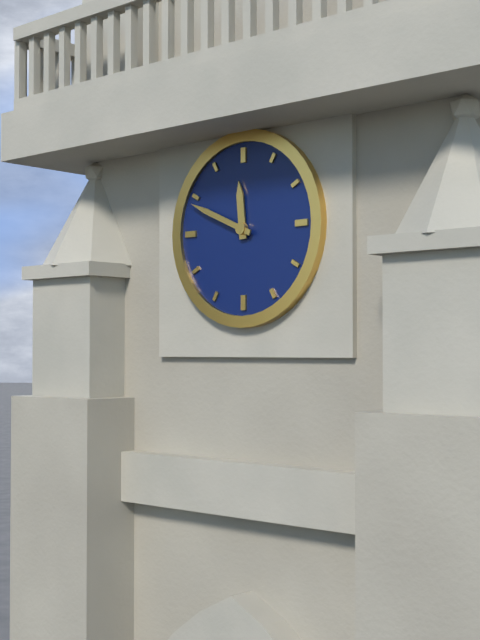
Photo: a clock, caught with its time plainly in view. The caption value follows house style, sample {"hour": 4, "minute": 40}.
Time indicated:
{"hour": 11, "minute": 49}
